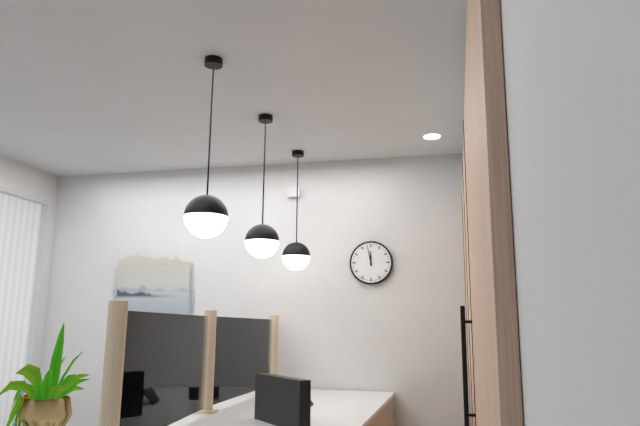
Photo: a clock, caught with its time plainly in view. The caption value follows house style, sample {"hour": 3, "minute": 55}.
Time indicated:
{"hour": 11, "minute": 58}
